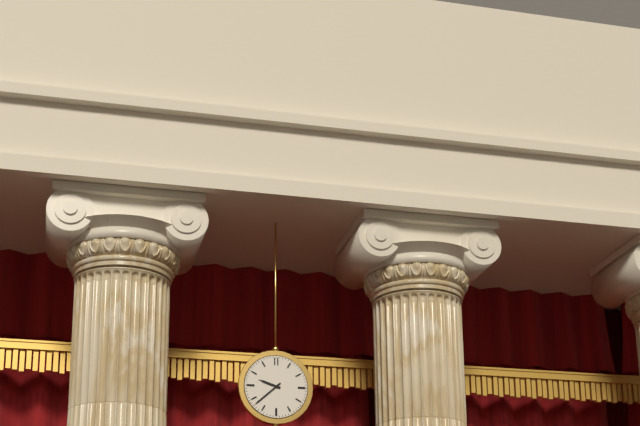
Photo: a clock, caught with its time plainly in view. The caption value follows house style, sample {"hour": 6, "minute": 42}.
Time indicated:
{"hour": 9, "minute": 38}
